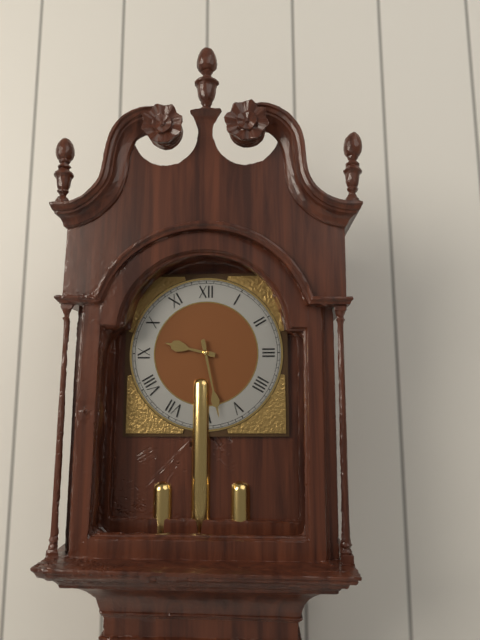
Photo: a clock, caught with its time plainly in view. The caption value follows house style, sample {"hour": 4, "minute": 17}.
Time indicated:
{"hour": 9, "minute": 28}
